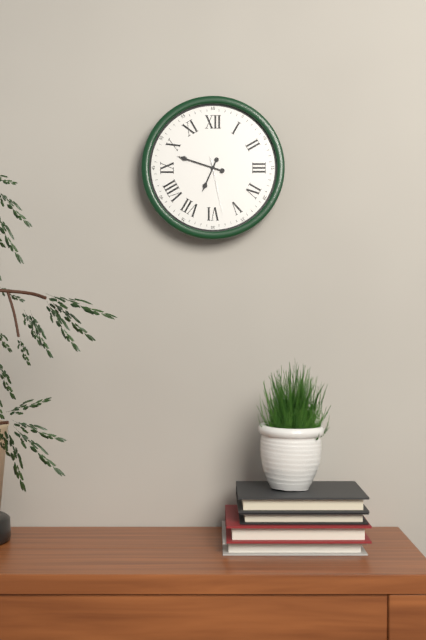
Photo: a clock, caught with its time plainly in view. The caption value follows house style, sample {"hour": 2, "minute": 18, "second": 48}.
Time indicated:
{"hour": 6, "minute": 48, "second": 28}
